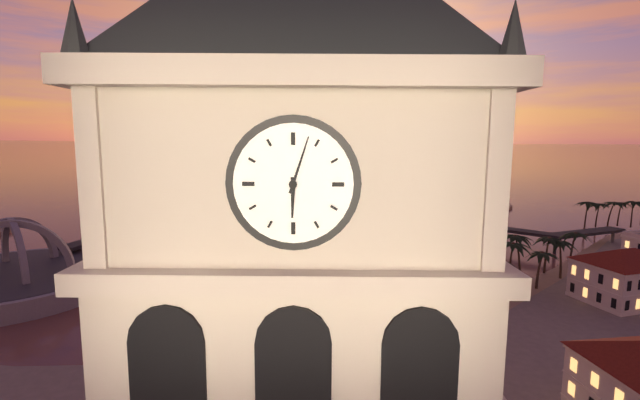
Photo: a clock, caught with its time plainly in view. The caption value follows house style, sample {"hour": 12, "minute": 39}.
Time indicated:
{"hour": 6, "minute": 3}
